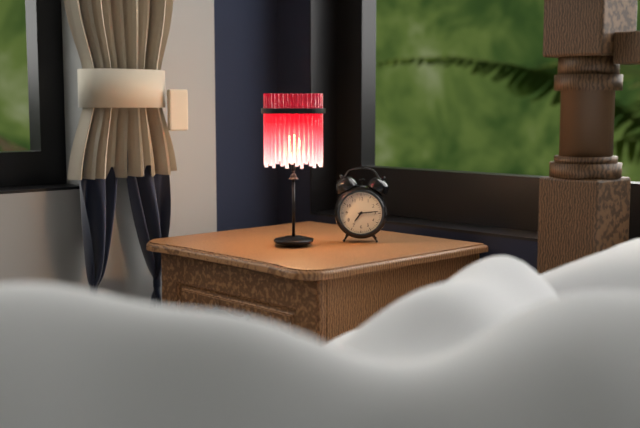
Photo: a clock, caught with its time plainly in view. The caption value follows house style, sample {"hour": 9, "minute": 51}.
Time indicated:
{"hour": 7, "minute": 14}
